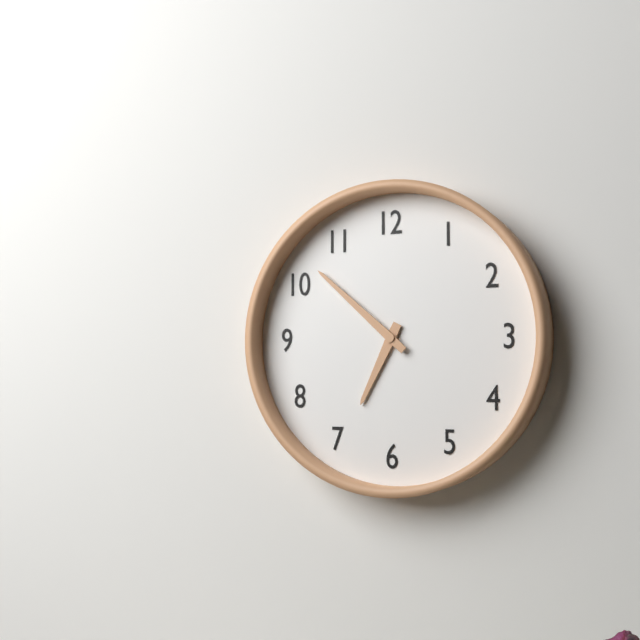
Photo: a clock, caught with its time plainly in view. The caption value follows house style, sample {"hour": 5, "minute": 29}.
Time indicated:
{"hour": 6, "minute": 52}
